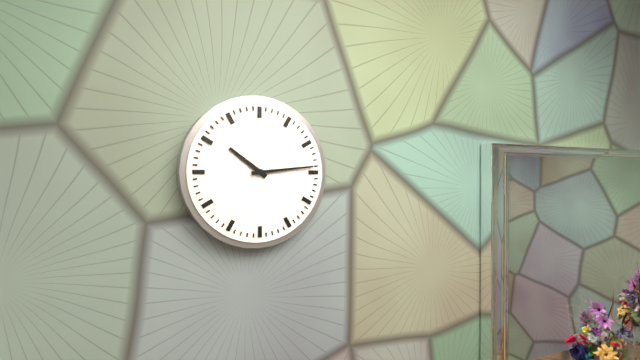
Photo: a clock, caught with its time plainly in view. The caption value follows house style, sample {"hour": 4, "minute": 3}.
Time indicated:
{"hour": 10, "minute": 14}
